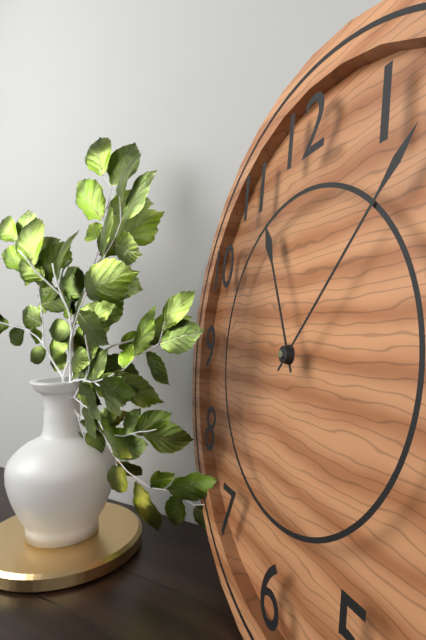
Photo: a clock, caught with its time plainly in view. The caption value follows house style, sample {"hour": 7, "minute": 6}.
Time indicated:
{"hour": 11, "minute": 7}
